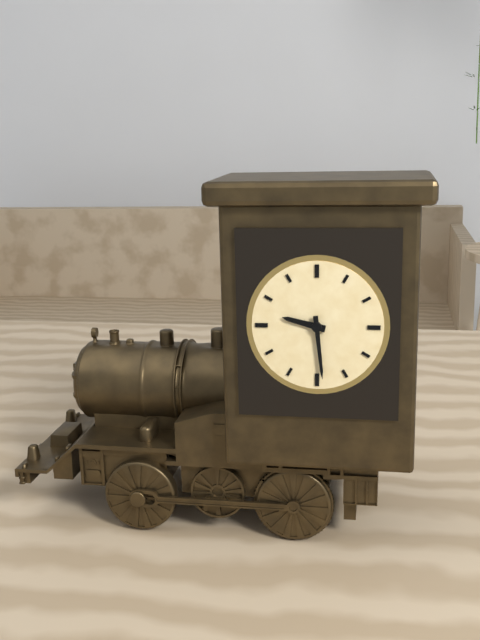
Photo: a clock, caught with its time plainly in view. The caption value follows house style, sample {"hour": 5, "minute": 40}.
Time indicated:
{"hour": 9, "minute": 29}
